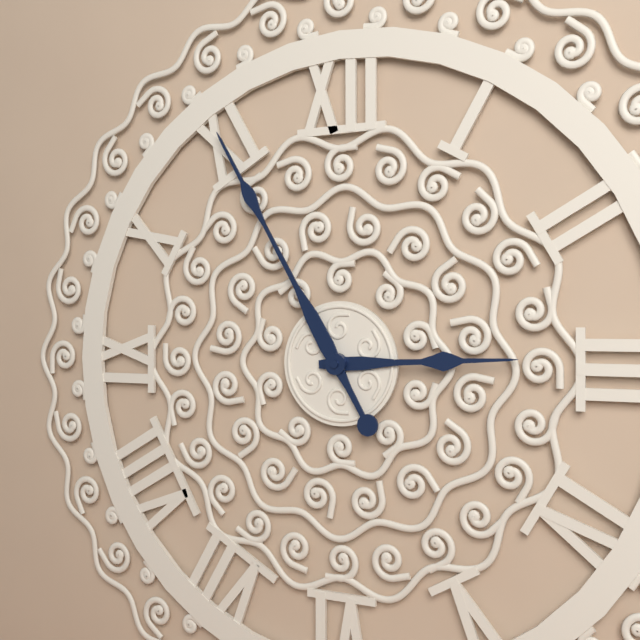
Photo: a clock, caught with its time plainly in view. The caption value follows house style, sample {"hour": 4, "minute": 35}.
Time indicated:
{"hour": 2, "minute": 55}
